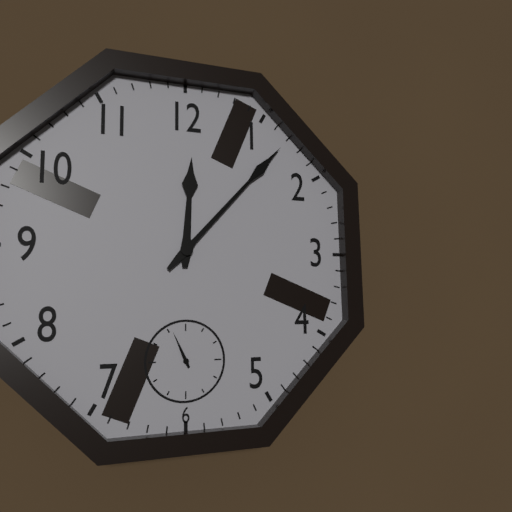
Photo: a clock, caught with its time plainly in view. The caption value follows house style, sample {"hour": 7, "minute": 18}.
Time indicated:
{"hour": 12, "minute": 7}
